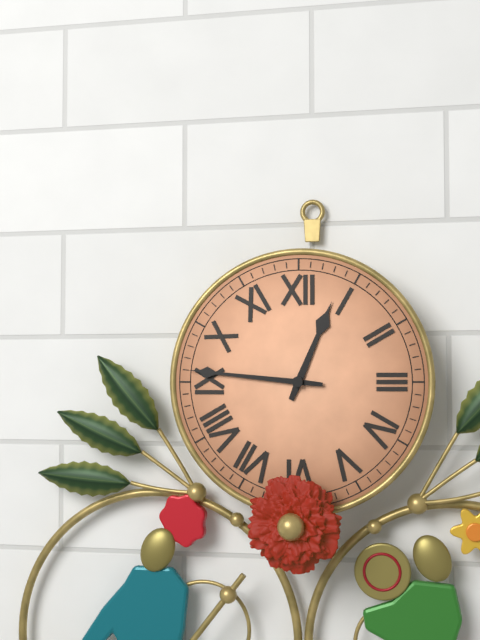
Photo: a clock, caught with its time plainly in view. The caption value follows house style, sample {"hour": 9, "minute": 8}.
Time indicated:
{"hour": 12, "minute": 46}
